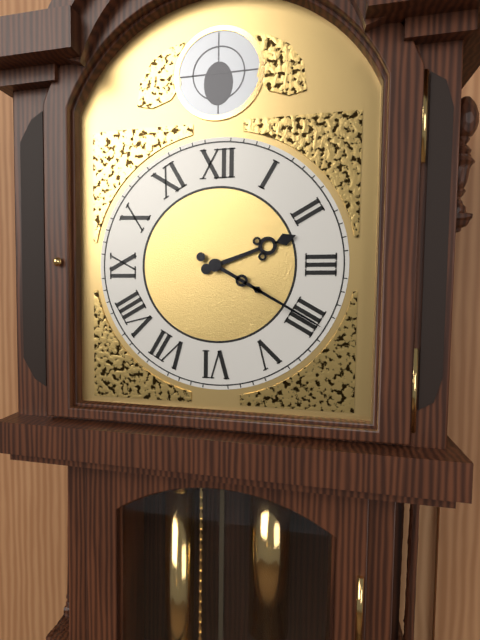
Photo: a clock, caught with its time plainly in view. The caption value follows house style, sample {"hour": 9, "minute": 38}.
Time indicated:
{"hour": 2, "minute": 20}
